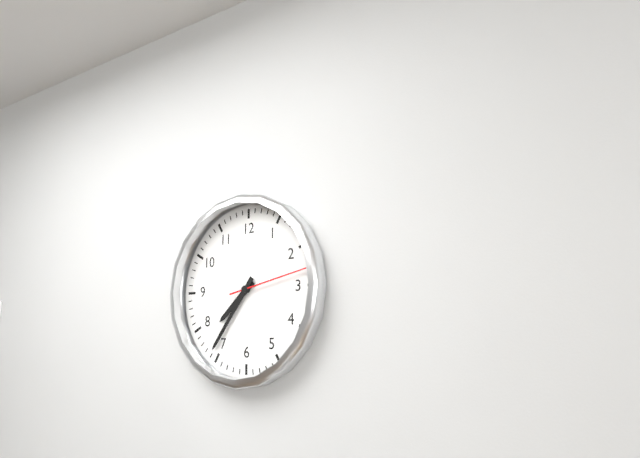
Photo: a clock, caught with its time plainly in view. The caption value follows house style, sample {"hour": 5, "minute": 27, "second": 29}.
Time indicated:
{"hour": 7, "minute": 36, "second": 13}
